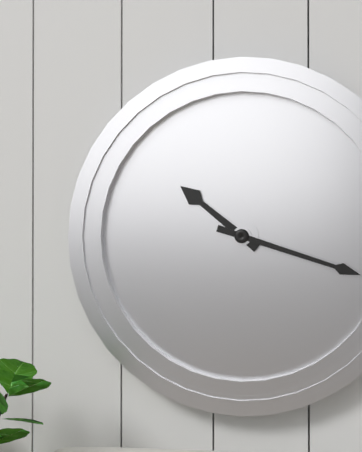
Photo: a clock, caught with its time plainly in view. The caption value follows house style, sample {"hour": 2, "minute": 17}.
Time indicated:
{"hour": 10, "minute": 18}
